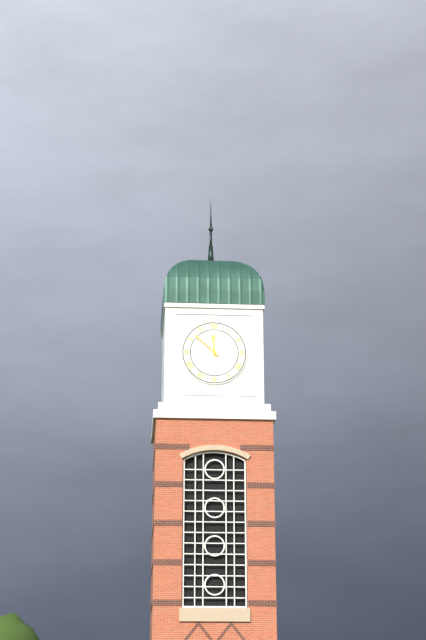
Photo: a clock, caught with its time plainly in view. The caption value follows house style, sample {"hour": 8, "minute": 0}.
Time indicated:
{"hour": 11, "minute": 52}
